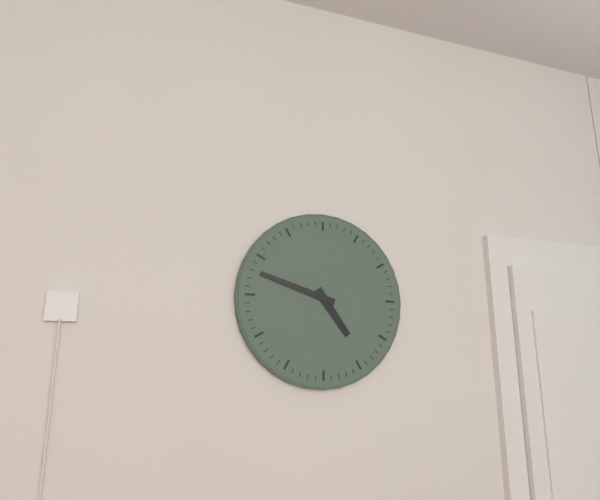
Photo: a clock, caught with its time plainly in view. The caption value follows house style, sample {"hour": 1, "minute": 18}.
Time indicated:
{"hour": 4, "minute": 48}
